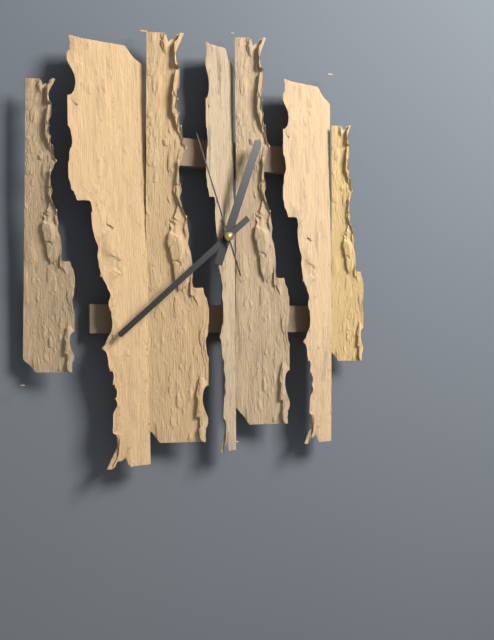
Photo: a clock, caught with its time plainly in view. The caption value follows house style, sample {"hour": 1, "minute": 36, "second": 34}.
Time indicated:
{"hour": 12, "minute": 38, "second": 57}
